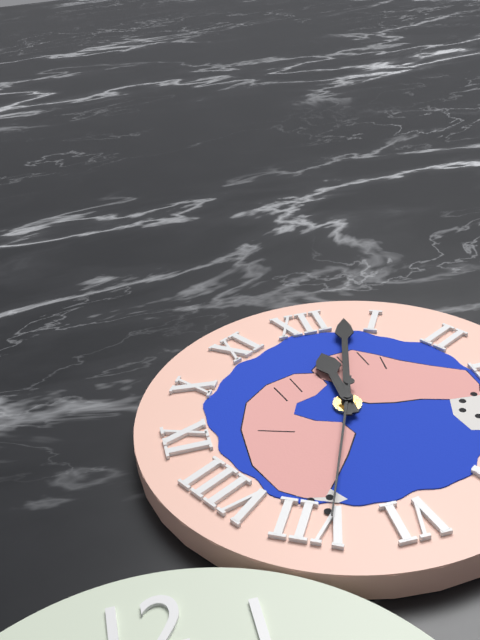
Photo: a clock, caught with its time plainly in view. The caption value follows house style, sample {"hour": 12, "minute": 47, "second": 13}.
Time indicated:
{"hour": 12, "minute": 3, "second": 34}
